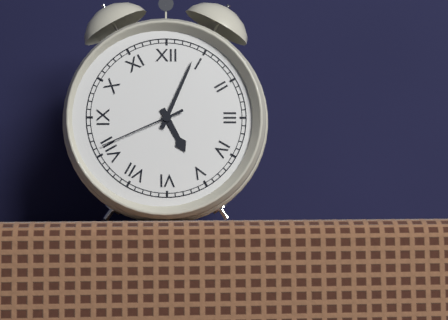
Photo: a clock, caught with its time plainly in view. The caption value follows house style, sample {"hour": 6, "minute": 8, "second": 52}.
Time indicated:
{"hour": 5, "minute": 4, "second": 41}
